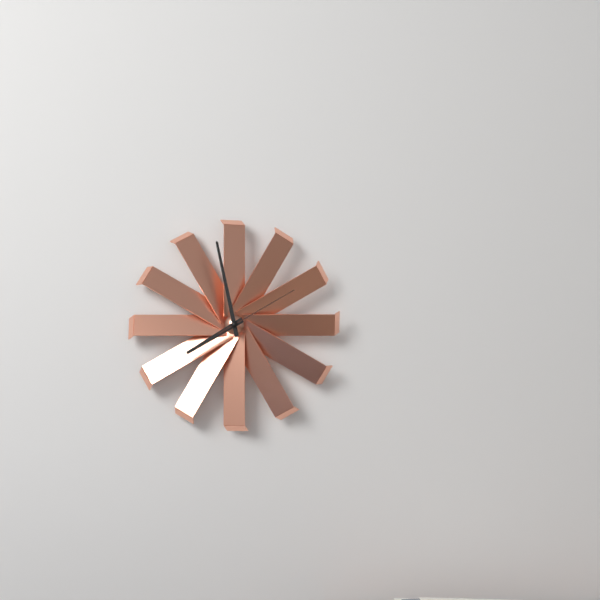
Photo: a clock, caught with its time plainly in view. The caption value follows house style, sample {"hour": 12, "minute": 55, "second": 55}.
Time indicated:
{"hour": 7, "minute": 58, "second": 10}
